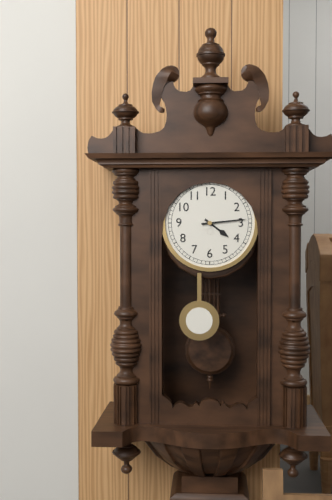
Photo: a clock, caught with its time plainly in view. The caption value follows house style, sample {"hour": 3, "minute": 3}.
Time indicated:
{"hour": 4, "minute": 14}
